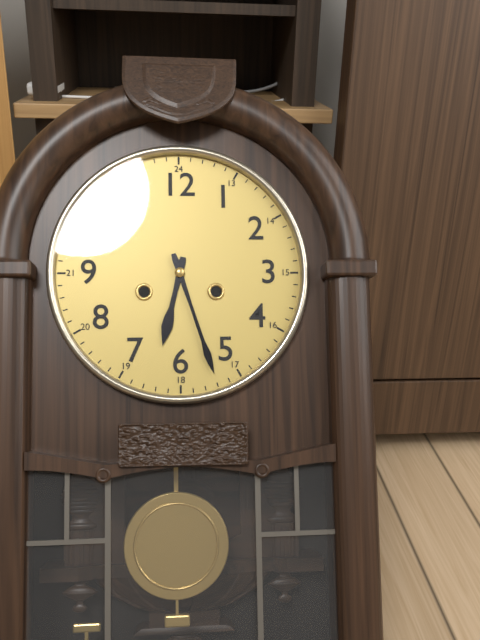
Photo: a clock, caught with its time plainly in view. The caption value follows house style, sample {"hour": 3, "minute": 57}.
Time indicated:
{"hour": 6, "minute": 27}
